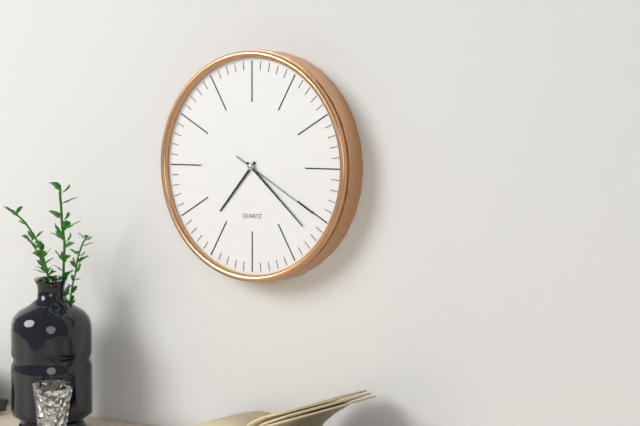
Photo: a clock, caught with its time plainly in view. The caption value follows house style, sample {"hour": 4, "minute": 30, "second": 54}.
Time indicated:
{"hour": 7, "minute": 22, "second": 20}
